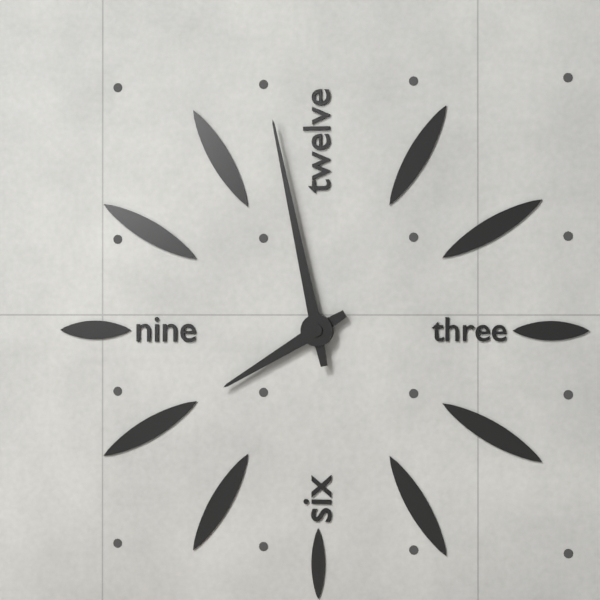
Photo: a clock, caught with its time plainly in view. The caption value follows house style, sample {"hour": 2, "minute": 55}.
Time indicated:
{"hour": 7, "minute": 58}
